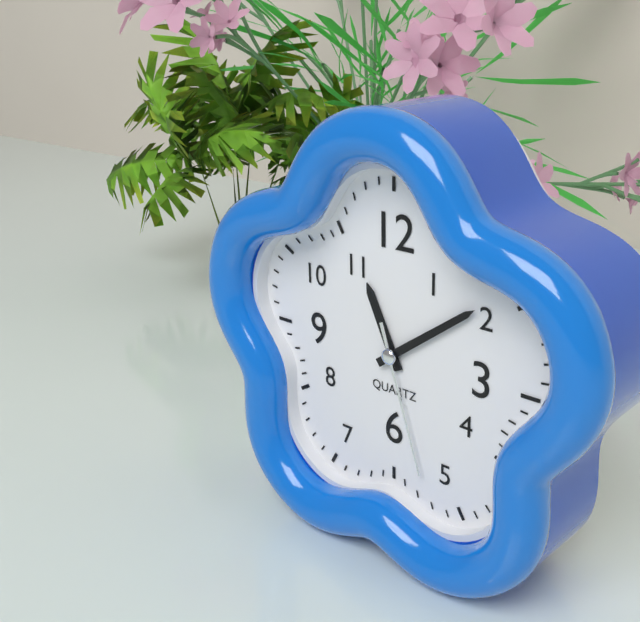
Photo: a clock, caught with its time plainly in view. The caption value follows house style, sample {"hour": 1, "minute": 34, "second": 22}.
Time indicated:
{"hour": 11, "minute": 9, "second": 27}
